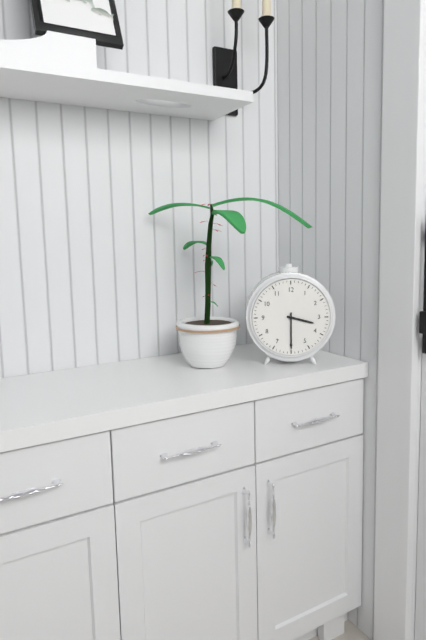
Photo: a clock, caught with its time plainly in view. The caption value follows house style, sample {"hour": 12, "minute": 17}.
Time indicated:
{"hour": 3, "minute": 30}
